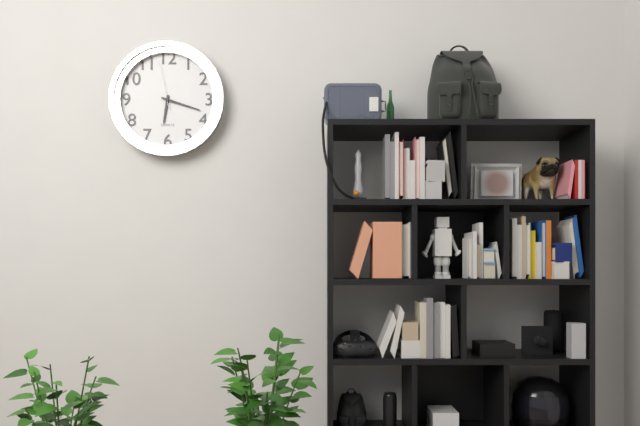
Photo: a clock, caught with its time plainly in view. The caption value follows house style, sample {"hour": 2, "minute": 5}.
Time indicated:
{"hour": 6, "minute": 18}
